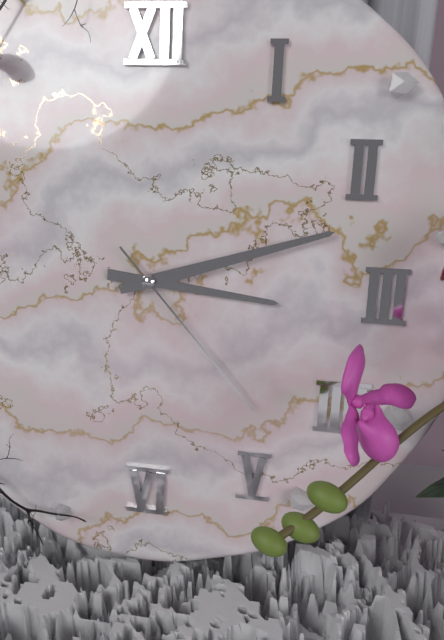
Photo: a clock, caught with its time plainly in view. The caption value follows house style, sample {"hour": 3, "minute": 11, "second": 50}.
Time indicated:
{"hour": 3, "minute": 12, "second": 23}
